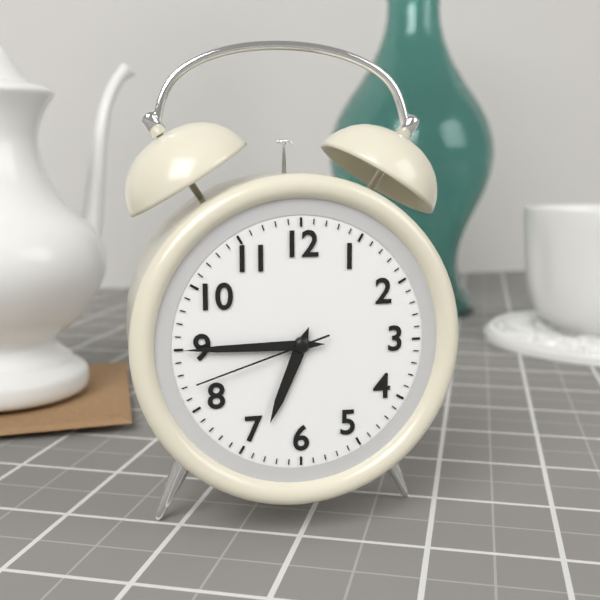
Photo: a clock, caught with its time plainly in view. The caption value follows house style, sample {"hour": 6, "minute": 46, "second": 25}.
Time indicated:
{"hour": 6, "minute": 45, "second": 42}
